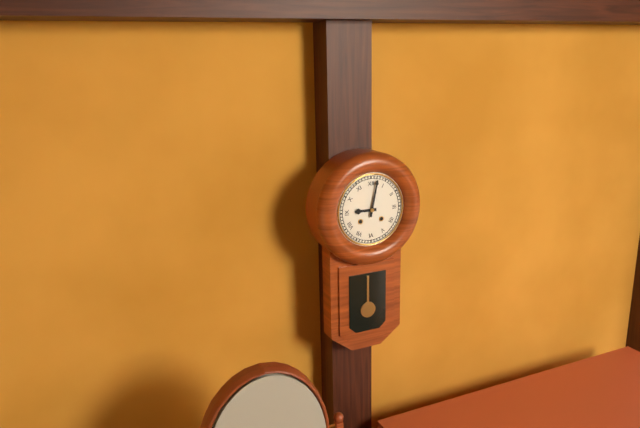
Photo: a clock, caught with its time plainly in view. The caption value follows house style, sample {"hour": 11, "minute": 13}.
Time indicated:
{"hour": 9, "minute": 2}
